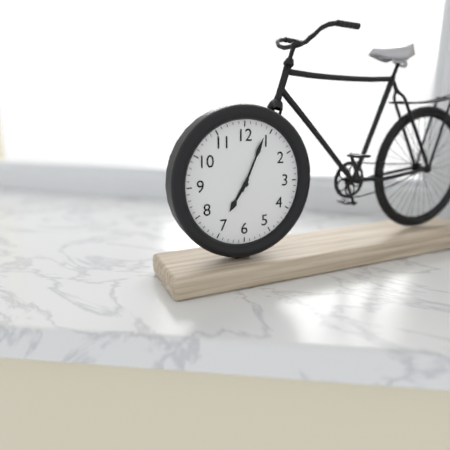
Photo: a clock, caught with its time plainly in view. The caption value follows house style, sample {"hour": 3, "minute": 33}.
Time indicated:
{"hour": 7, "minute": 4}
